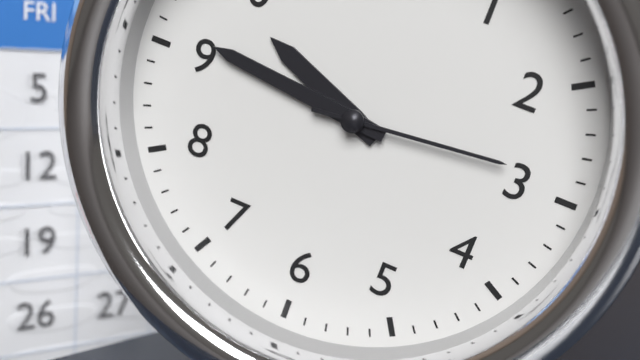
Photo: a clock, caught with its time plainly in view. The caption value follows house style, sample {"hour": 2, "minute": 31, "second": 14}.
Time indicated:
{"hour": 9, "minute": 46, "second": 14}
